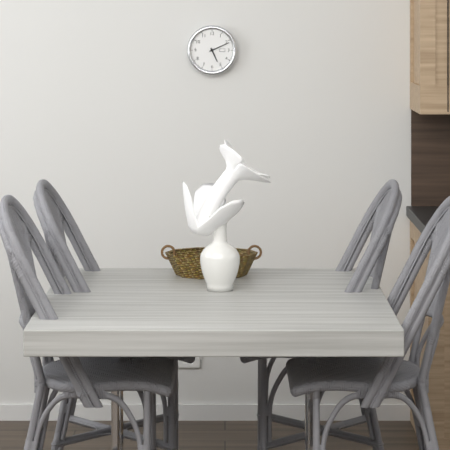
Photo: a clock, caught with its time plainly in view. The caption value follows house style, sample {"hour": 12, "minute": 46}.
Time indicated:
{"hour": 5, "minute": 11}
